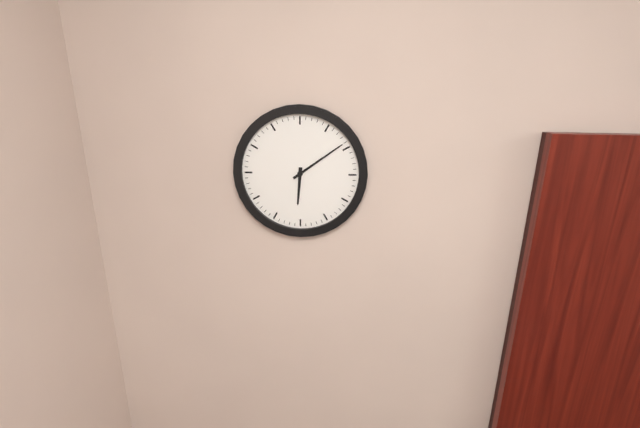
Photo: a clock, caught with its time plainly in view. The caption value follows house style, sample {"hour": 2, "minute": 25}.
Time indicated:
{"hour": 6, "minute": 9}
